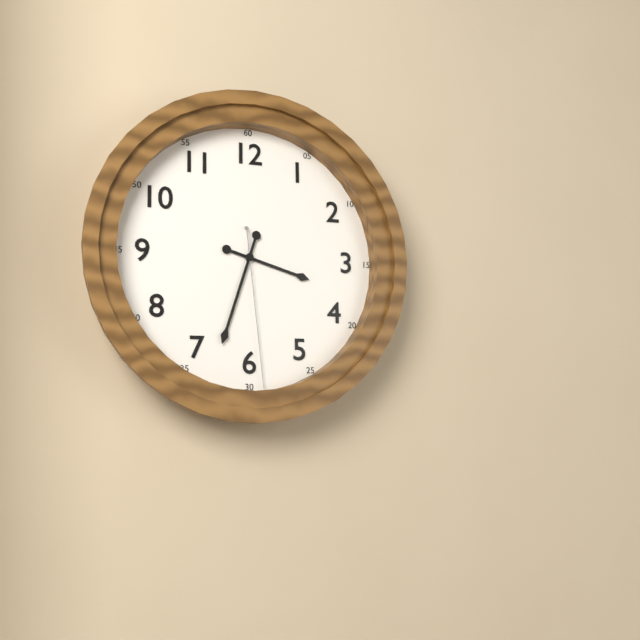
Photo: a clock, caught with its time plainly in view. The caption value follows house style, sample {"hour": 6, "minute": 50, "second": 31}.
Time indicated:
{"hour": 3, "minute": 33, "second": 29}
